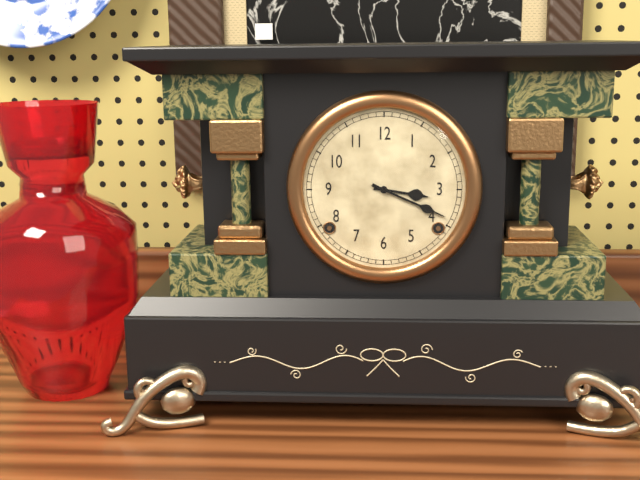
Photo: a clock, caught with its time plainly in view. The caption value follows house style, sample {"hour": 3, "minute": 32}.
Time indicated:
{"hour": 3, "minute": 19}
